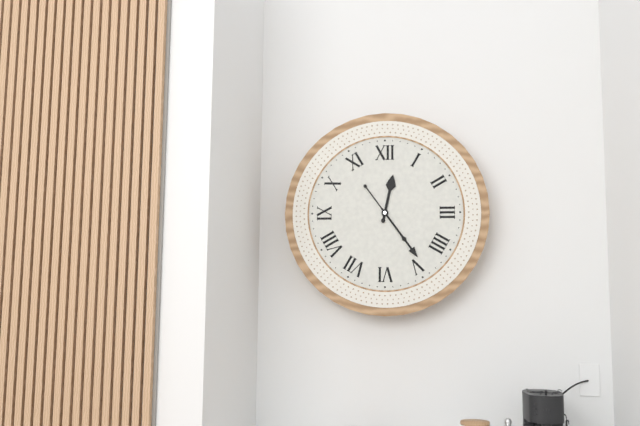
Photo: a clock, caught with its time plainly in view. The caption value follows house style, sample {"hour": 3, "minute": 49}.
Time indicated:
{"hour": 12, "minute": 24}
